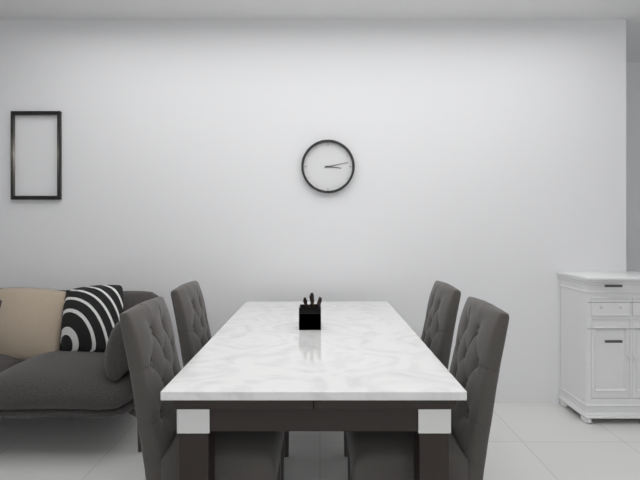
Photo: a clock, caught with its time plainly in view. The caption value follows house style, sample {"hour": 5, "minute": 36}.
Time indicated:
{"hour": 3, "minute": 13}
